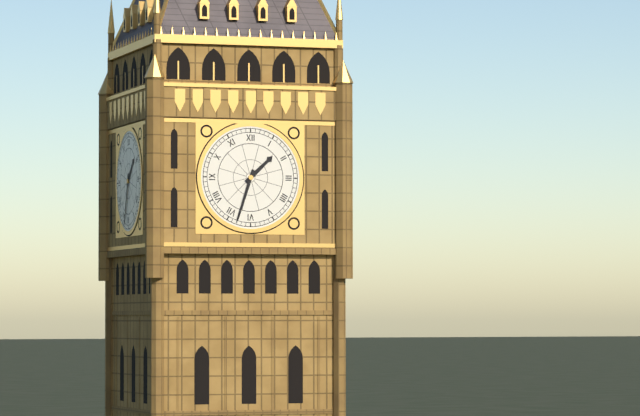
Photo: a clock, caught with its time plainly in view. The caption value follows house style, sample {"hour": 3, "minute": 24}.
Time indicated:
{"hour": 1, "minute": 33}
